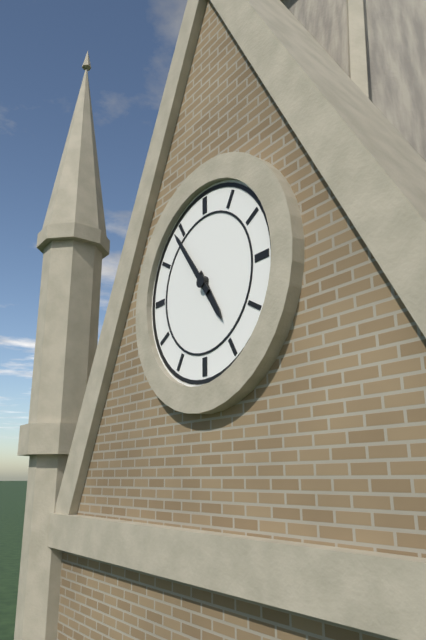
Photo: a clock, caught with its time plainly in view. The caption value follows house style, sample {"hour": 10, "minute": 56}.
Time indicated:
{"hour": 4, "minute": 54}
